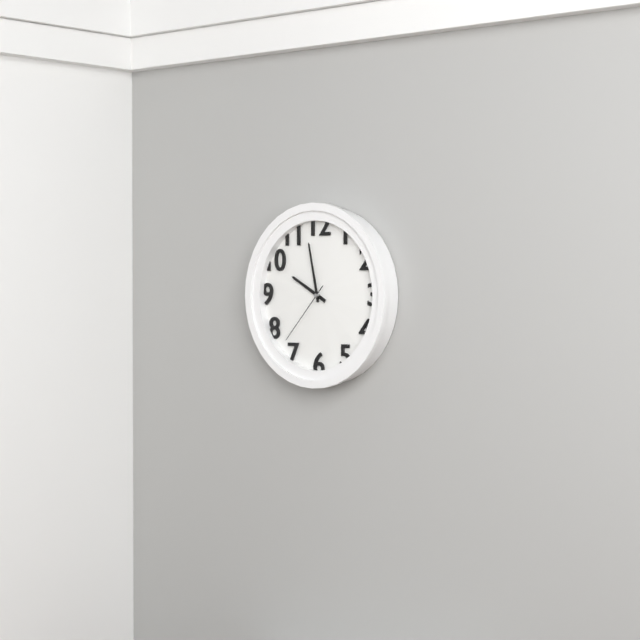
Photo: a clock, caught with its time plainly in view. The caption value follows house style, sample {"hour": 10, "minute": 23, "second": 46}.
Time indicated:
{"hour": 9, "minute": 58, "second": 37}
